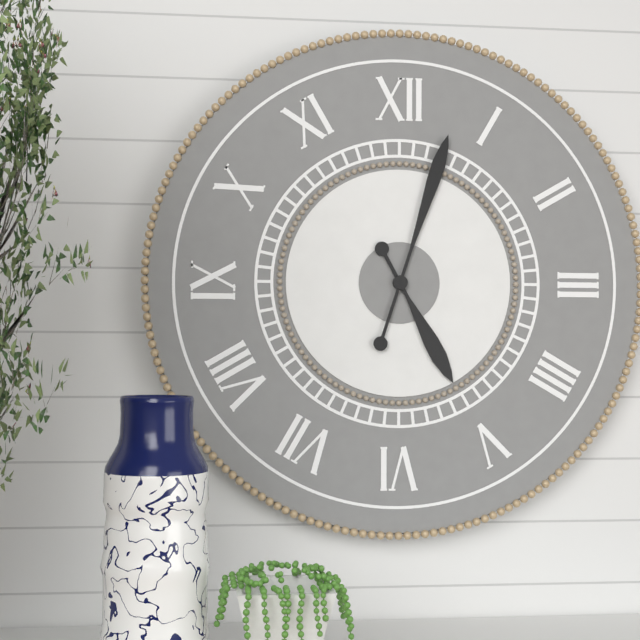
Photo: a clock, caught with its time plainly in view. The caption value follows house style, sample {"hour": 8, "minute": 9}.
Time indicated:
{"hour": 5, "minute": 3}
